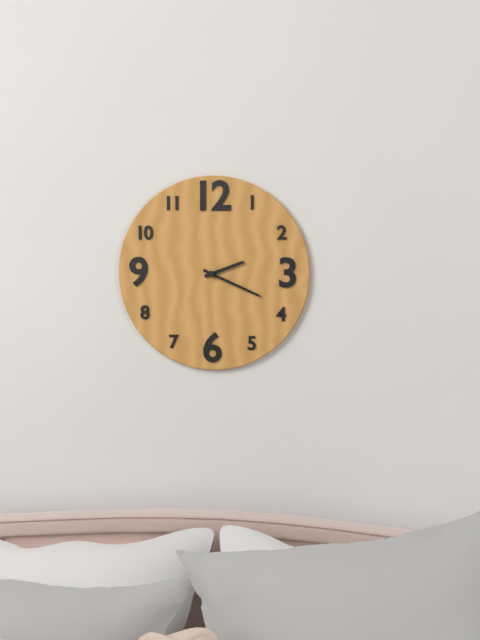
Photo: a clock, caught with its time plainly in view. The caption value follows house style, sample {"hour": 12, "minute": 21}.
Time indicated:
{"hour": 2, "minute": 19}
